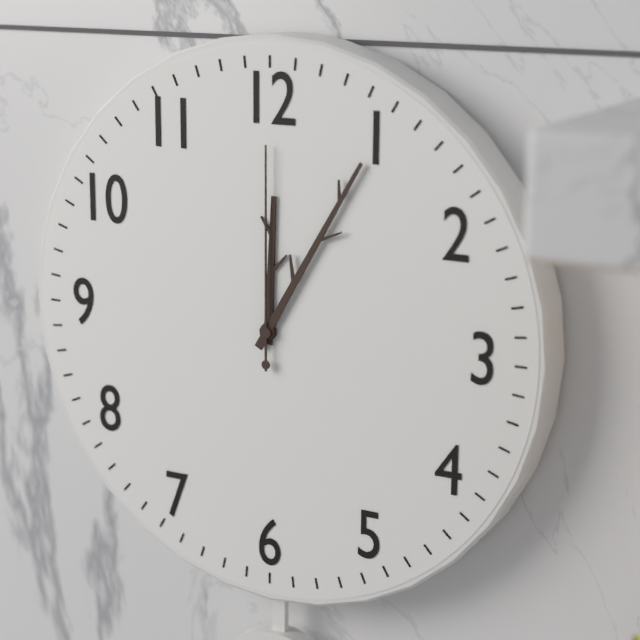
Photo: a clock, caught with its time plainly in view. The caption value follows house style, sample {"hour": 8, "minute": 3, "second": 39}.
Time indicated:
{"hour": 12, "minute": 5, "second": 0}
